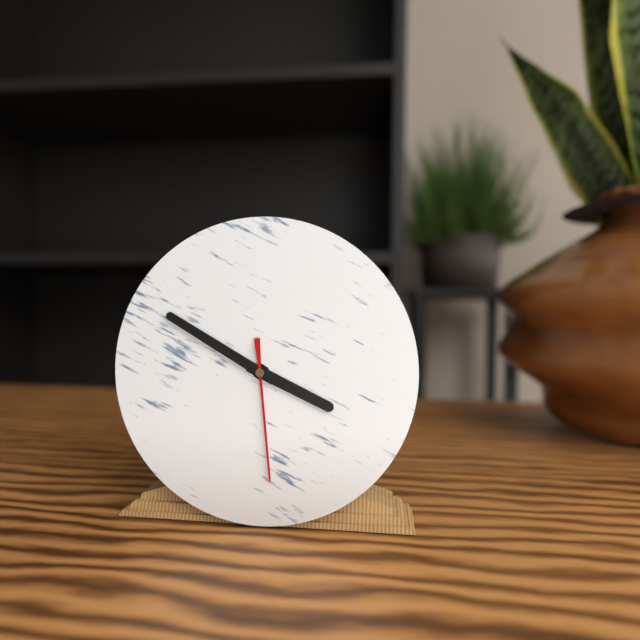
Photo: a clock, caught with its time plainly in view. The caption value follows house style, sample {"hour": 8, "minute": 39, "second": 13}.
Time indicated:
{"hour": 3, "minute": 50, "second": 29}
